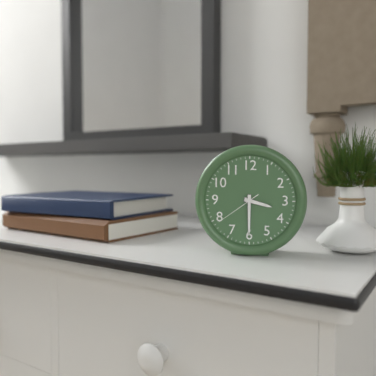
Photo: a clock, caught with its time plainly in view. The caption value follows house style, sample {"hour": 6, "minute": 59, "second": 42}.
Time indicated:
{"hour": 3, "minute": 30, "second": 39}
